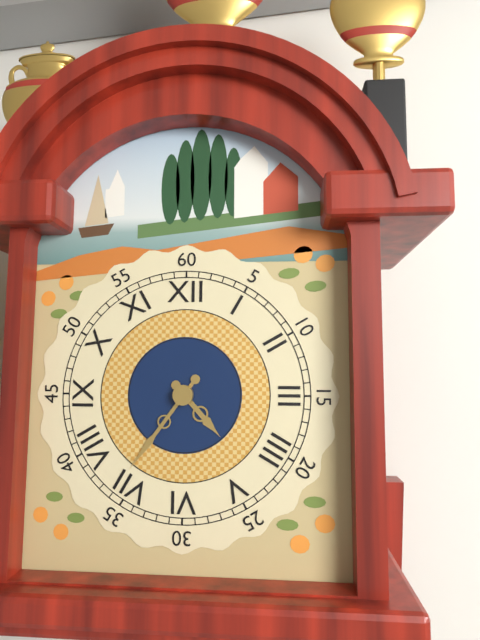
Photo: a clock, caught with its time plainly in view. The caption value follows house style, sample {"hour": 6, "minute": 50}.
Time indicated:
{"hour": 4, "minute": 36}
